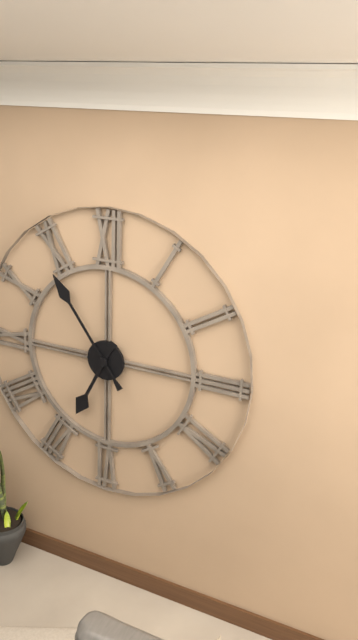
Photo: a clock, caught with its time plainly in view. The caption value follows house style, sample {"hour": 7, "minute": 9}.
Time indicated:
{"hour": 6, "minute": 54}
